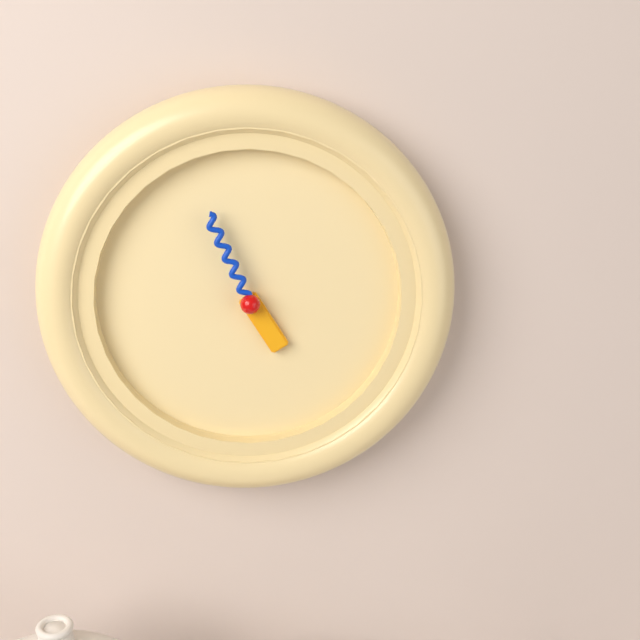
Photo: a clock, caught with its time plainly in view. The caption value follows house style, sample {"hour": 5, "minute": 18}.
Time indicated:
{"hour": 4, "minute": 56}
